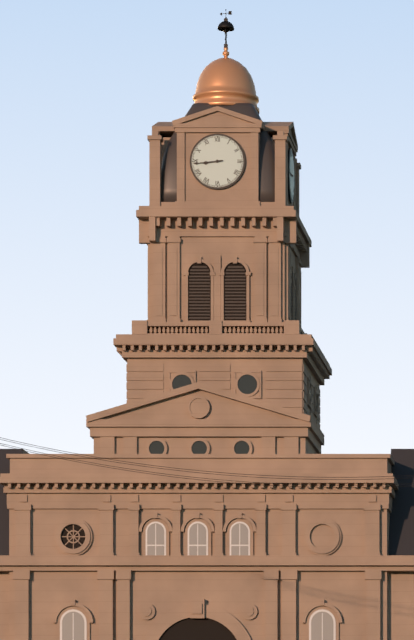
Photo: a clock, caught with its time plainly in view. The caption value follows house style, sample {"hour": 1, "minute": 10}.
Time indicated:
{"hour": 8, "minute": 44}
